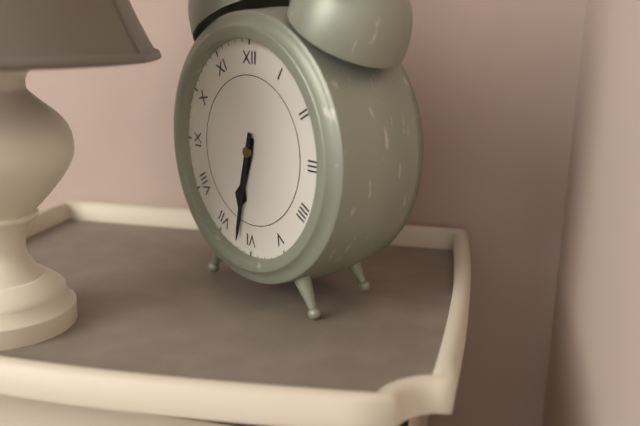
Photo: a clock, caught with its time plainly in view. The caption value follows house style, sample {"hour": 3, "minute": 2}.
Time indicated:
{"hour": 6, "minute": 32}
